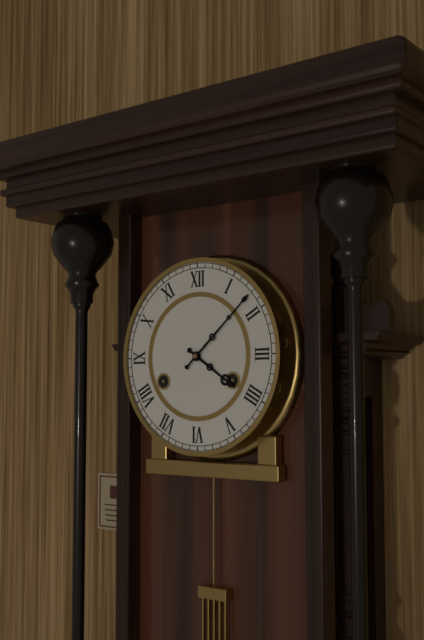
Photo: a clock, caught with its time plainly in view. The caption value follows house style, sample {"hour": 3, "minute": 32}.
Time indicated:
{"hour": 4, "minute": 8}
